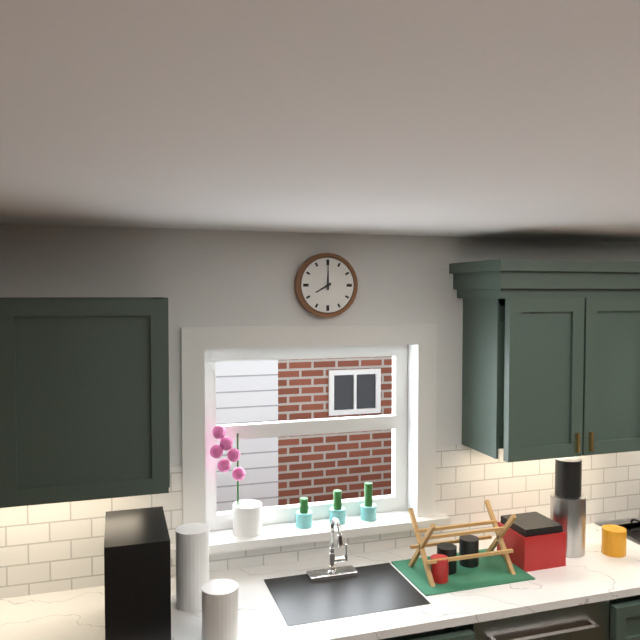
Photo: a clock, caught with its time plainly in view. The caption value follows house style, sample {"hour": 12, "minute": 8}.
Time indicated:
{"hour": 8, "minute": 0}
